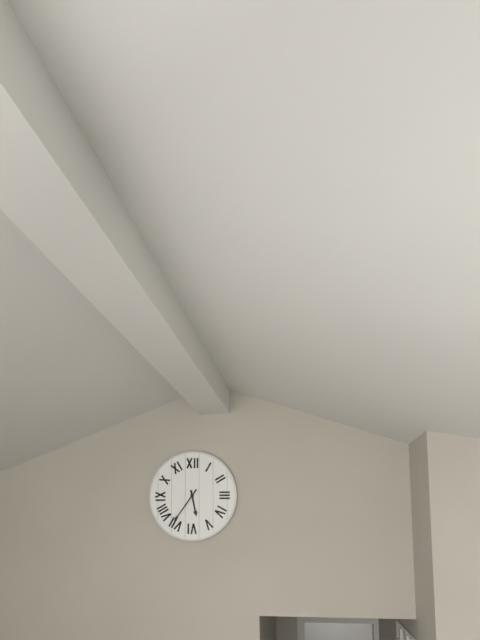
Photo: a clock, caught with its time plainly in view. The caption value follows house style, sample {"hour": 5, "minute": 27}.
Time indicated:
{"hour": 5, "minute": 36}
